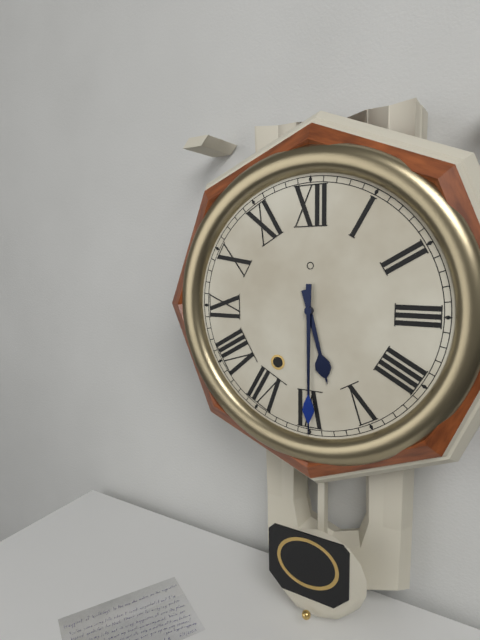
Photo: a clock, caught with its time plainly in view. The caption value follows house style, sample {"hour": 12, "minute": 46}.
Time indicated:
{"hour": 5, "minute": 30}
